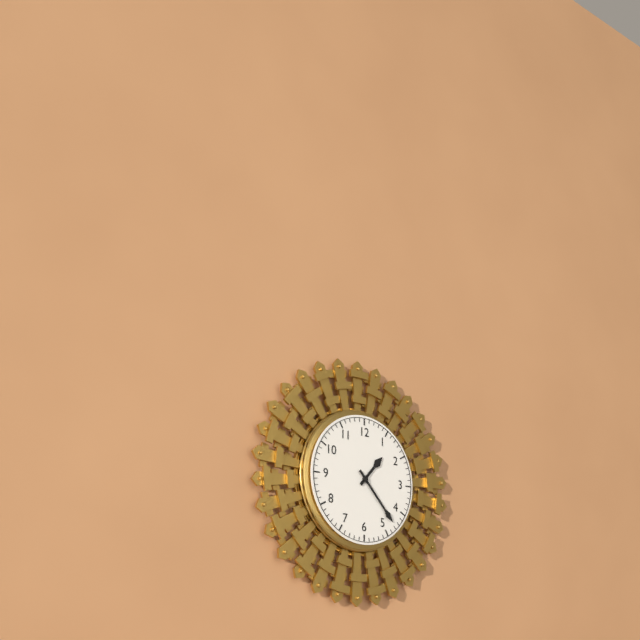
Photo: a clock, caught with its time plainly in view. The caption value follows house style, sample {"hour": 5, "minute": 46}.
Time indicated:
{"hour": 1, "minute": 23}
